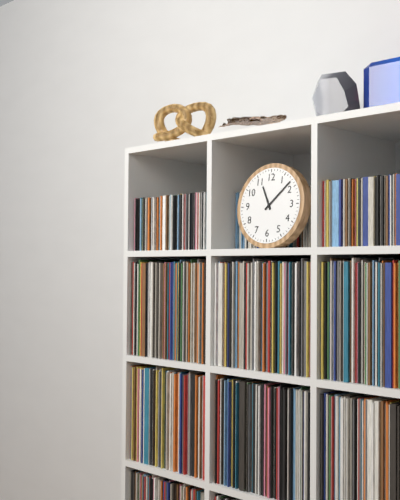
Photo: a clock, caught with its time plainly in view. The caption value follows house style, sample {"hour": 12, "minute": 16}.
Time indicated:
{"hour": 11, "minute": 8}
